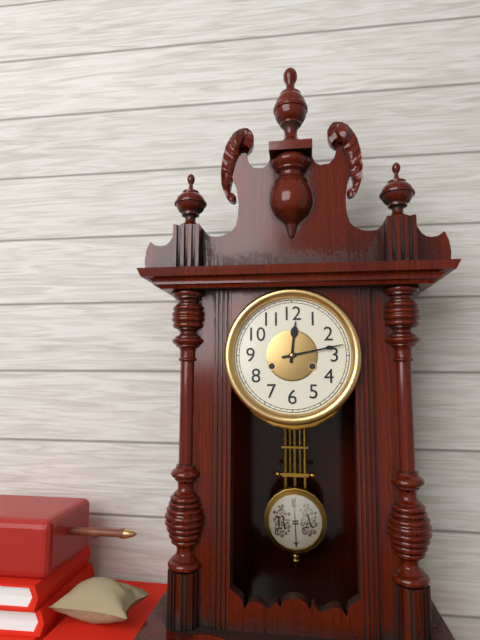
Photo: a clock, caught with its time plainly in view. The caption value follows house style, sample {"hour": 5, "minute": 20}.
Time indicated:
{"hour": 12, "minute": 13}
